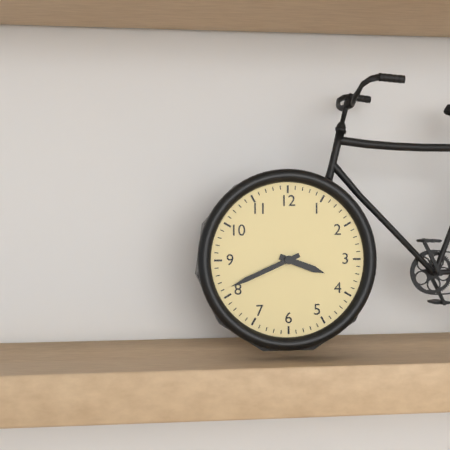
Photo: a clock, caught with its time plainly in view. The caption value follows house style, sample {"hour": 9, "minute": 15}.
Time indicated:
{"hour": 3, "minute": 41}
